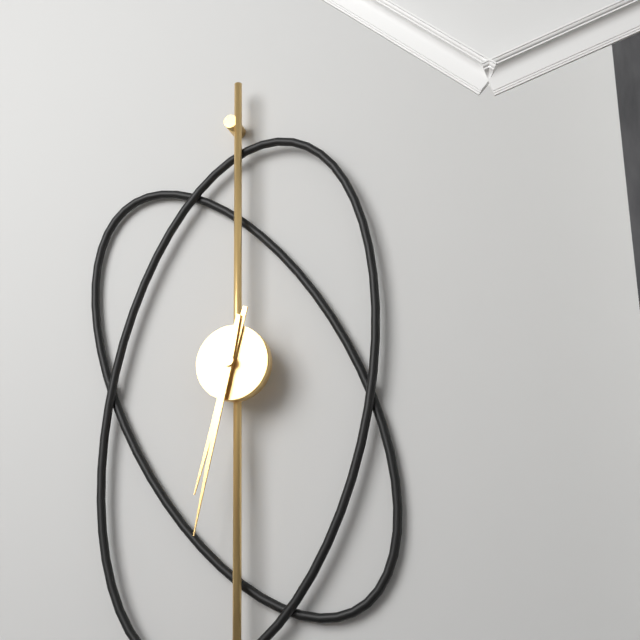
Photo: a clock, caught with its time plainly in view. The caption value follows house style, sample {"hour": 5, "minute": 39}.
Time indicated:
{"hour": 6, "minute": 32}
